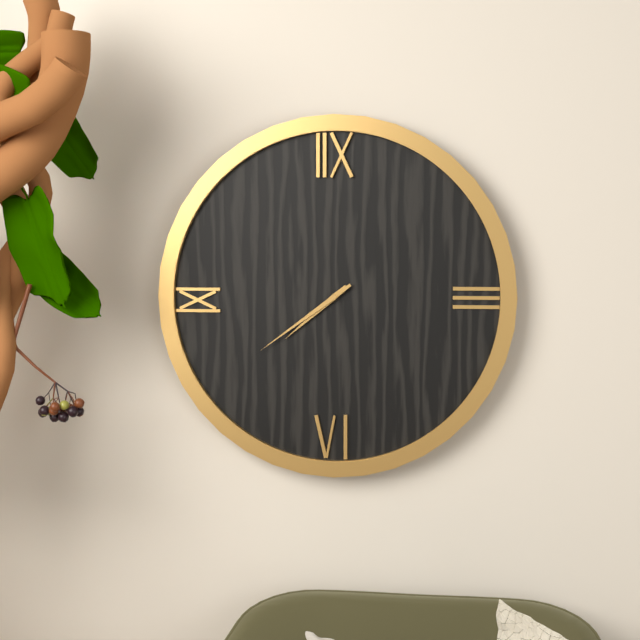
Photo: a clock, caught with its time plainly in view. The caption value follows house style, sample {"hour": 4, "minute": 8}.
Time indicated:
{"hour": 7, "minute": 39}
